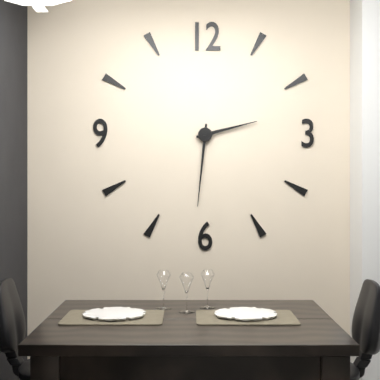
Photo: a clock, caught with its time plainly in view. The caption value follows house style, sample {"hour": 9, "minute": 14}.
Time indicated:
{"hour": 2, "minute": 31}
